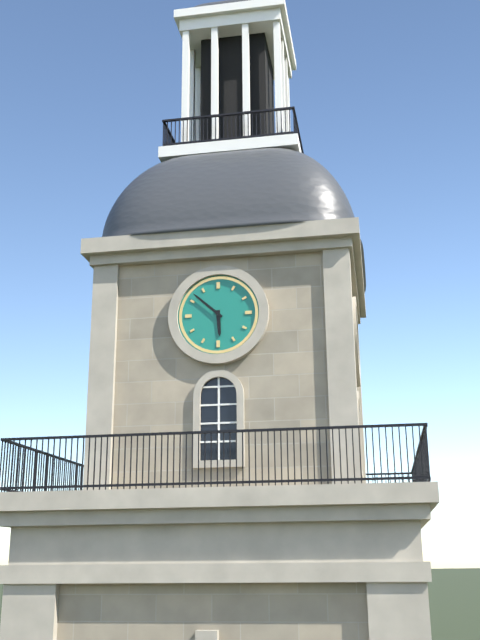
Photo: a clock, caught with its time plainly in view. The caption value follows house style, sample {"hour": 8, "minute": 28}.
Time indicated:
{"hour": 5, "minute": 52}
